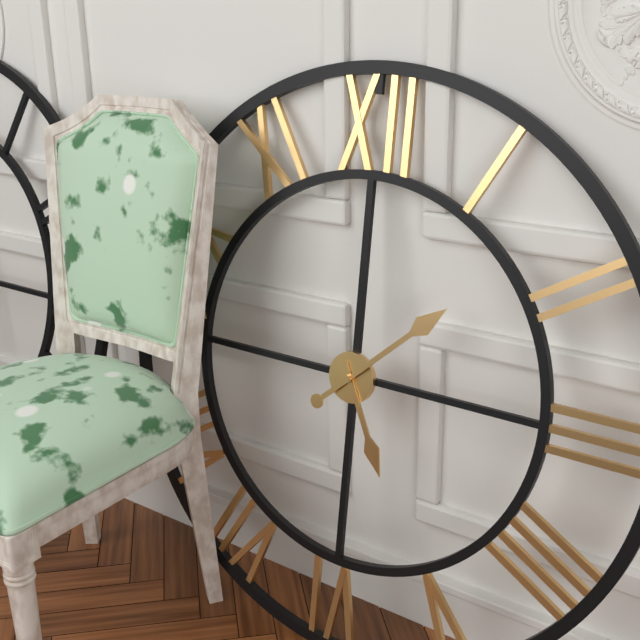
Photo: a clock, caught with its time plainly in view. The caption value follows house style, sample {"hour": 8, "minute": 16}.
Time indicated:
{"hour": 5, "minute": 8}
